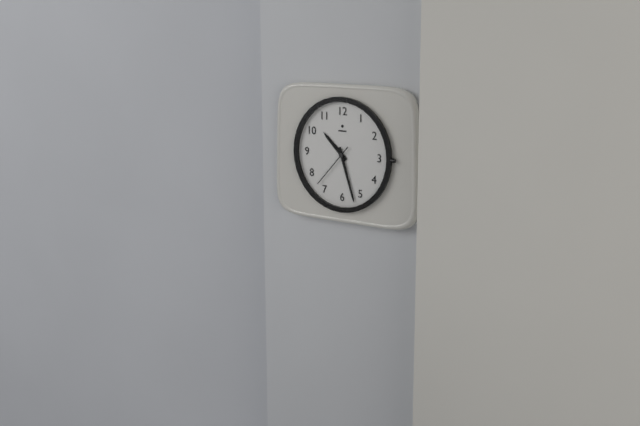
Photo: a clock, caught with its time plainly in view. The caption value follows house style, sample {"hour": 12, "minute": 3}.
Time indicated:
{"hour": 10, "minute": 27}
